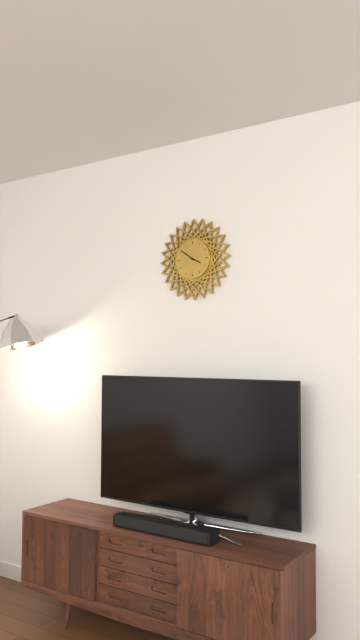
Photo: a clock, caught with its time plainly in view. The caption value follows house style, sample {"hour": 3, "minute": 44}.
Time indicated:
{"hour": 3, "minute": 51}
